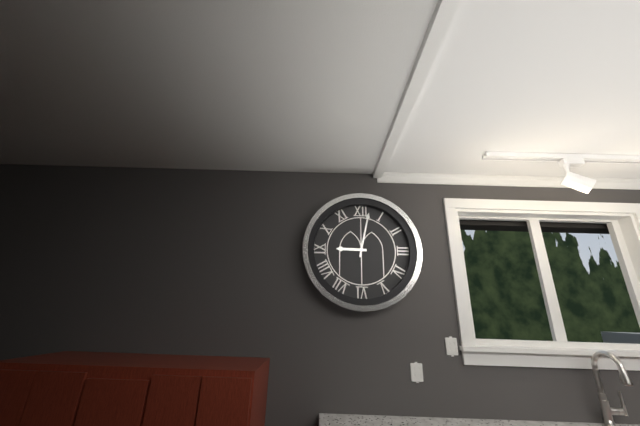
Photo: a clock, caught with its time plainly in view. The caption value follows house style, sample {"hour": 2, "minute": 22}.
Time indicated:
{"hour": 9, "minute": 2}
